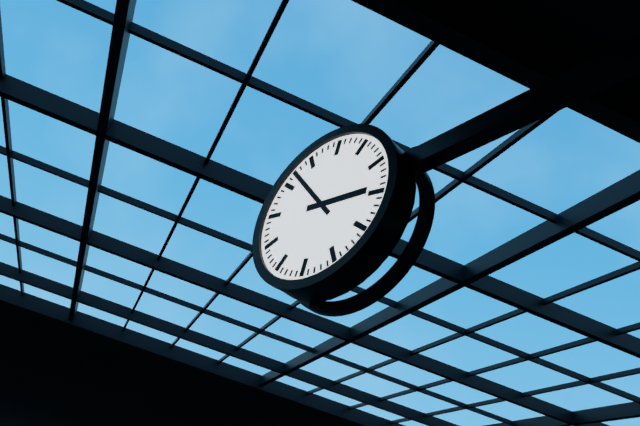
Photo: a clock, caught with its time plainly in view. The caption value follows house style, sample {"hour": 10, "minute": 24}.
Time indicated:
{"hour": 2, "minute": 52}
